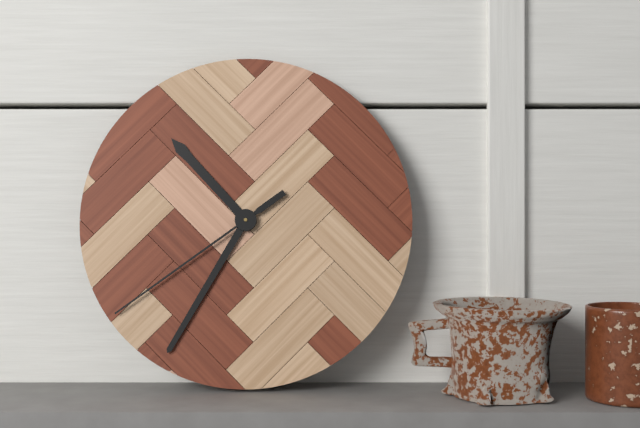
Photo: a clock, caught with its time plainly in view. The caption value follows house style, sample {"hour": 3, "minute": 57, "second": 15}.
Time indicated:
{"hour": 10, "minute": 35, "second": 39}
